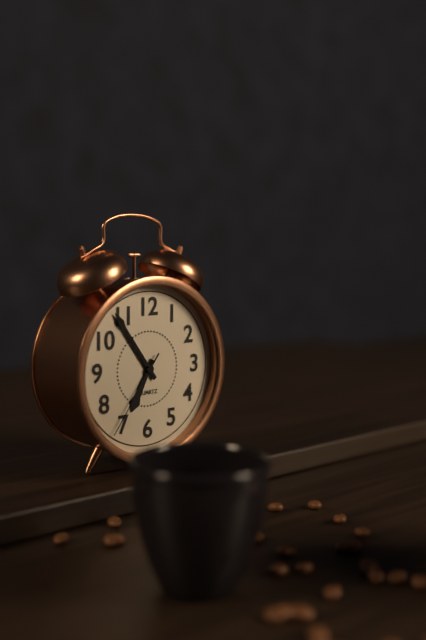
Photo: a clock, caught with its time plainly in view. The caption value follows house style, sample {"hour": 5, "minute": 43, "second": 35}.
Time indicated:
{"hour": 6, "minute": 54, "second": 36}
